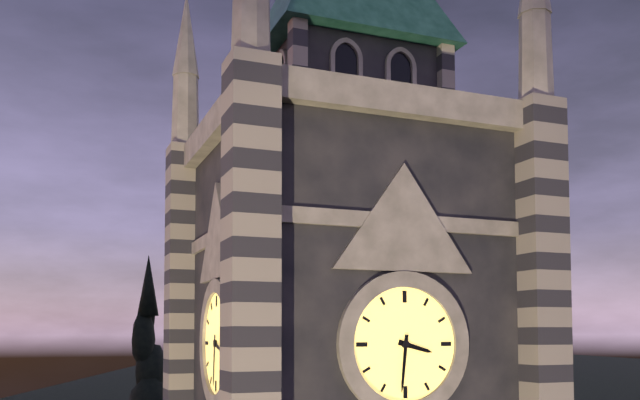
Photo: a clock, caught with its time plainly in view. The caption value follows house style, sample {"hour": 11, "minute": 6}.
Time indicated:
{"hour": 3, "minute": 31}
